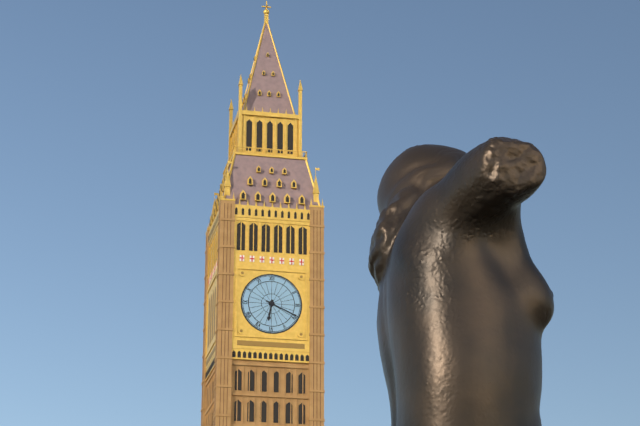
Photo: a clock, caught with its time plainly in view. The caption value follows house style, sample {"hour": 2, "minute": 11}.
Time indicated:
{"hour": 6, "minute": 19}
